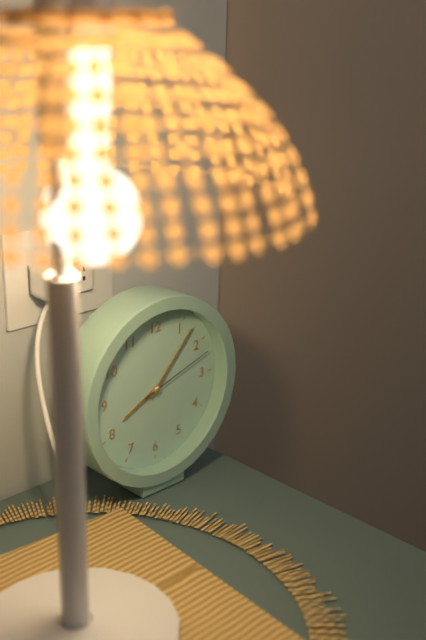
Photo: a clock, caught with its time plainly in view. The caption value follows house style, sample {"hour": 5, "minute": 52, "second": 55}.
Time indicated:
{"hour": 8, "minute": 7, "second": 12}
